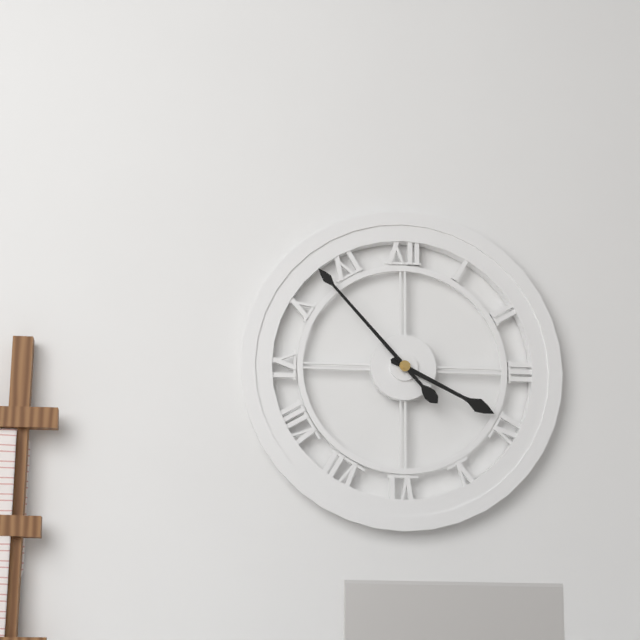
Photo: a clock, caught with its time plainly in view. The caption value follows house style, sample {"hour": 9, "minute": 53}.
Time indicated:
{"hour": 3, "minute": 53}
